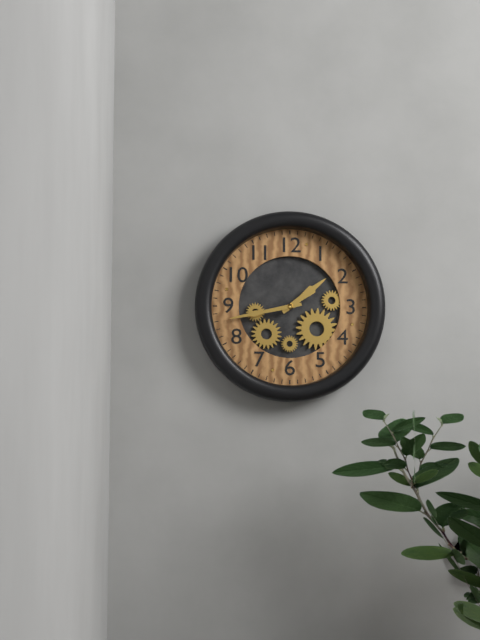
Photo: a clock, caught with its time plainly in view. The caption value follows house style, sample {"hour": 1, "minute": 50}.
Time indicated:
{"hour": 1, "minute": 43}
